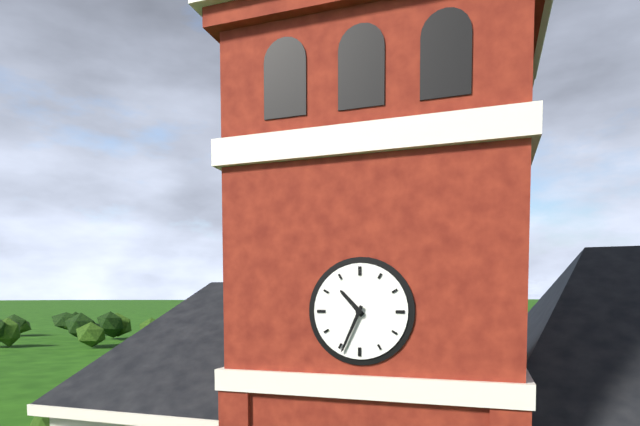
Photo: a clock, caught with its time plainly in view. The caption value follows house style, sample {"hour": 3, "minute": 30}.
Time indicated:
{"hour": 10, "minute": 34}
